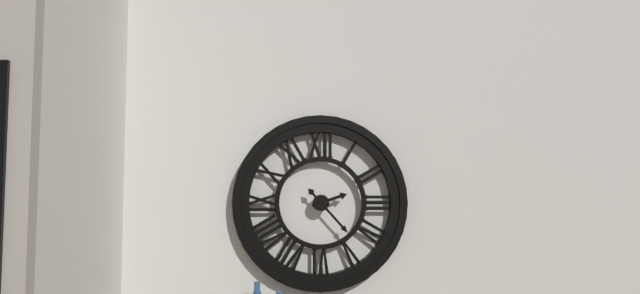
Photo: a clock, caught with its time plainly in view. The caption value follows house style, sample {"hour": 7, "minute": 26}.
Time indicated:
{"hour": 2, "minute": 23}
